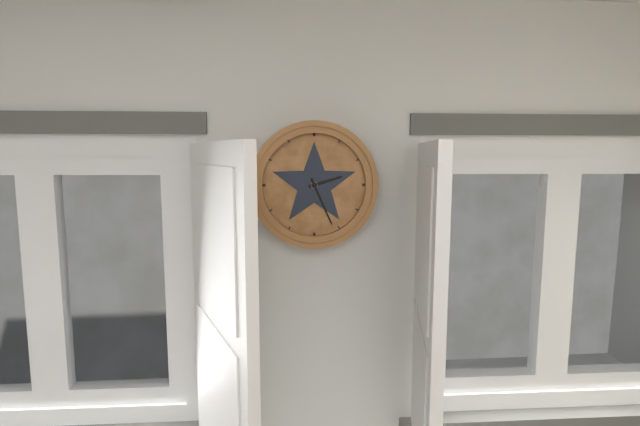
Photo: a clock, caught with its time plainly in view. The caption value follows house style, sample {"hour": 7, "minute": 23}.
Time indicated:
{"hour": 2, "minute": 26}
